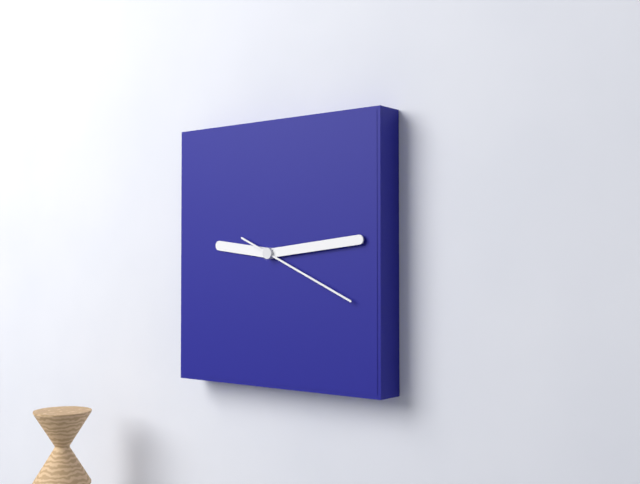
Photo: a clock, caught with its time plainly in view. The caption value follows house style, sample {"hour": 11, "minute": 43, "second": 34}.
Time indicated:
{"hour": 9, "minute": 14, "second": 19}
